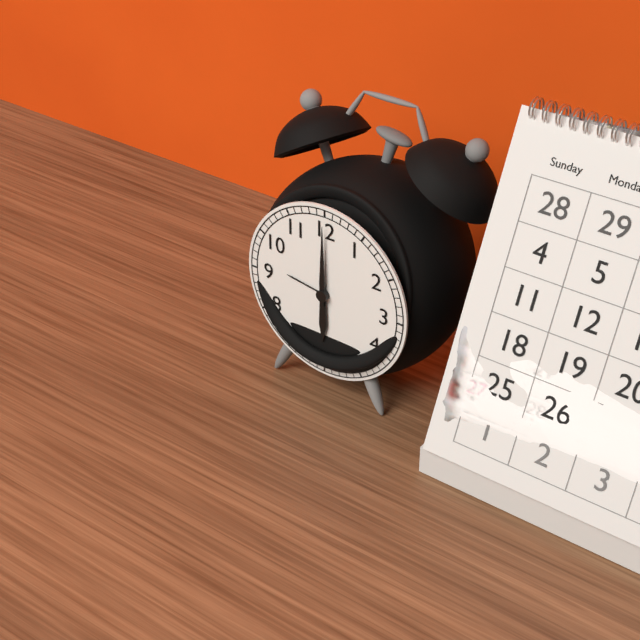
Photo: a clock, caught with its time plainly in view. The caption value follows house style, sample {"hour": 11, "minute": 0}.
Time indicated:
{"hour": 6, "minute": 0}
